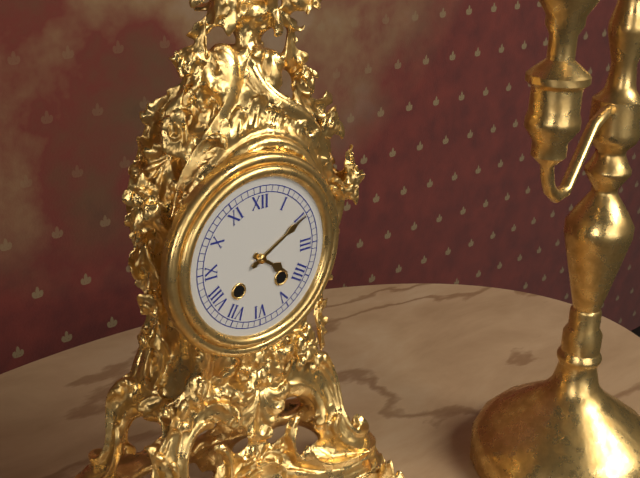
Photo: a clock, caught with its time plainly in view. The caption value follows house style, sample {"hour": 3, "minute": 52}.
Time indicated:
{"hour": 4, "minute": 10}
